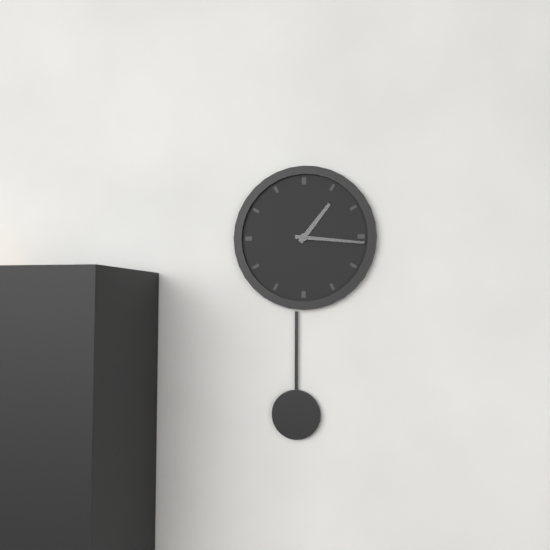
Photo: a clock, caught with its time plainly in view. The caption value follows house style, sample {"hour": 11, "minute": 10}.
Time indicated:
{"hour": 1, "minute": 16}
